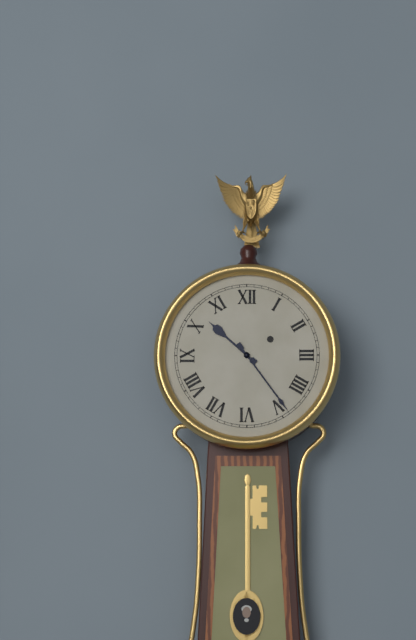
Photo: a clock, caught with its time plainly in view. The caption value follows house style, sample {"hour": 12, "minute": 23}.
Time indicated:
{"hour": 10, "minute": 24}
